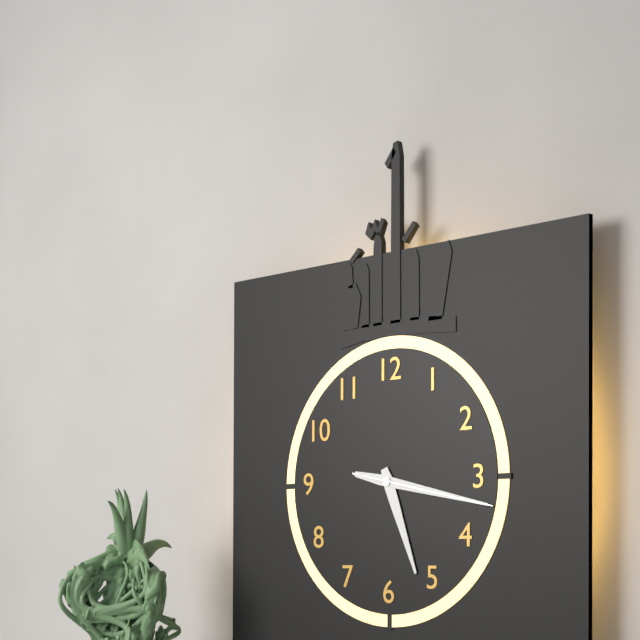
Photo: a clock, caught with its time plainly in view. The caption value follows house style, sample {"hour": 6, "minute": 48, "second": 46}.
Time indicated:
{"hour": 5, "minute": 17, "second": 17}
